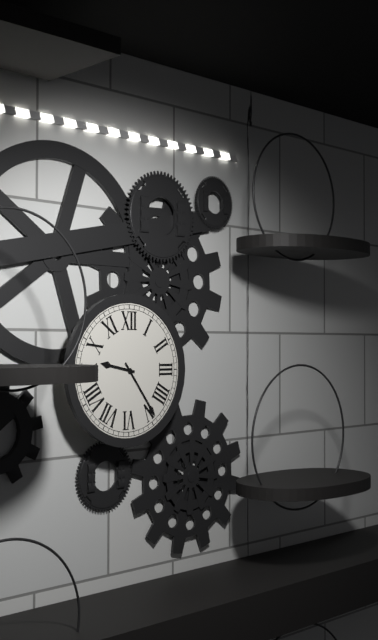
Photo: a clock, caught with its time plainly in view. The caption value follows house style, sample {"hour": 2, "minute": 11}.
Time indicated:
{"hour": 9, "minute": 24}
